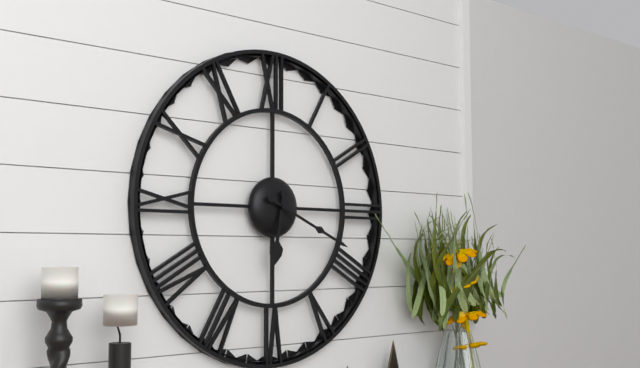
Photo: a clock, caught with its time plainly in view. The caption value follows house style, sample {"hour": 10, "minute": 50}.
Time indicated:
{"hour": 6, "minute": 19}
